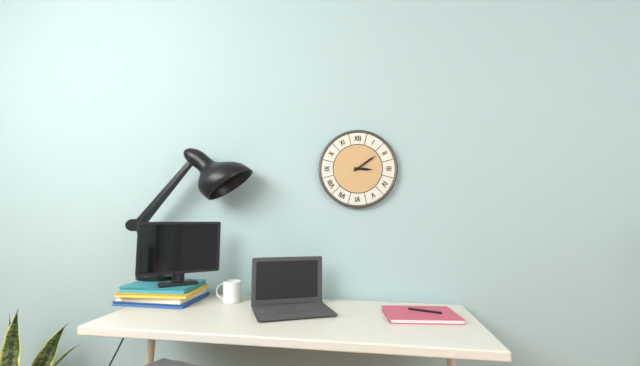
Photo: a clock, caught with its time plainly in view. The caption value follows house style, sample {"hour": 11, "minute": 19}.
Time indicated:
{"hour": 3, "minute": 9}
